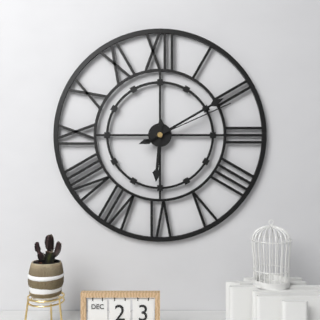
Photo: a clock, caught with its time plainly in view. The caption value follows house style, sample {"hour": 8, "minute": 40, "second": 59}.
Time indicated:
{"hour": 6, "minute": 10, "second": 11}
